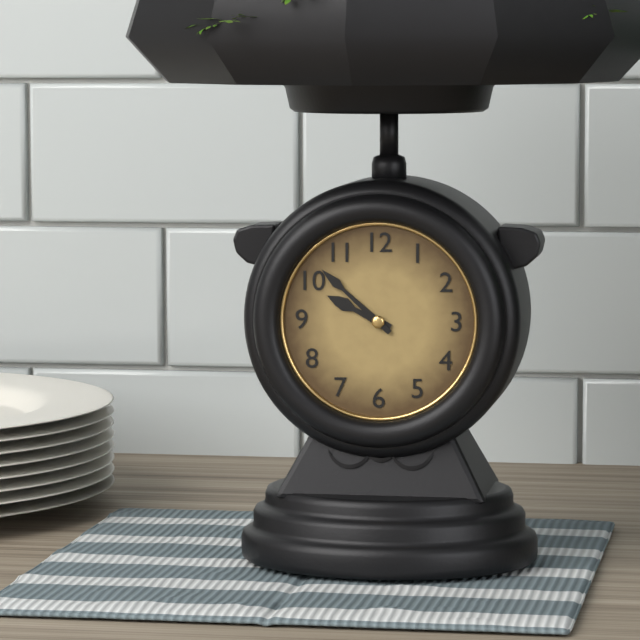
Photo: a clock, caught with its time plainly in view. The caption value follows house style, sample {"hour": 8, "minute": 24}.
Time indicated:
{"hour": 9, "minute": 52}
